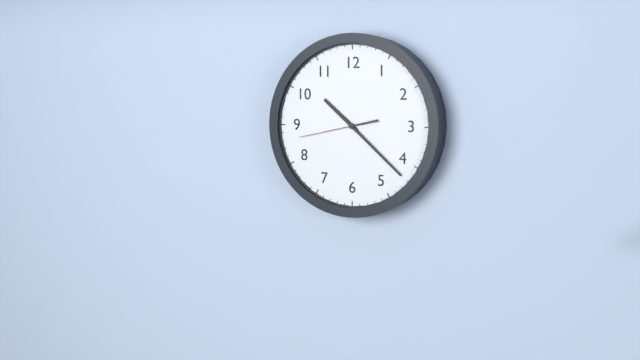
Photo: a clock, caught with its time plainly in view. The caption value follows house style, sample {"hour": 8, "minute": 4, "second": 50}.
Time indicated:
{"hour": 10, "minute": 22, "second": 43}
